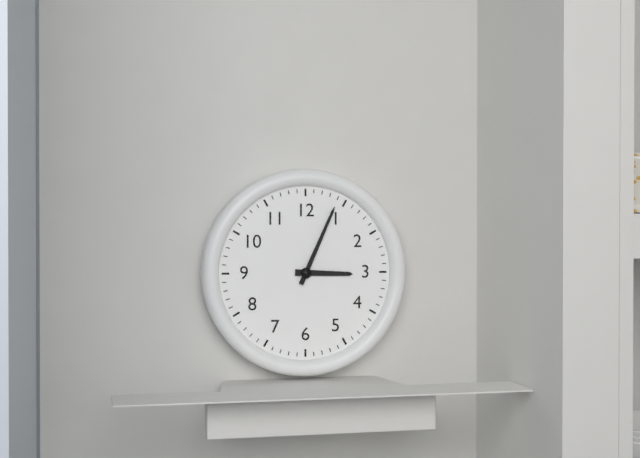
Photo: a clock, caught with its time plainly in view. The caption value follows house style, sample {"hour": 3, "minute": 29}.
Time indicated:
{"hour": 3, "minute": 4}
